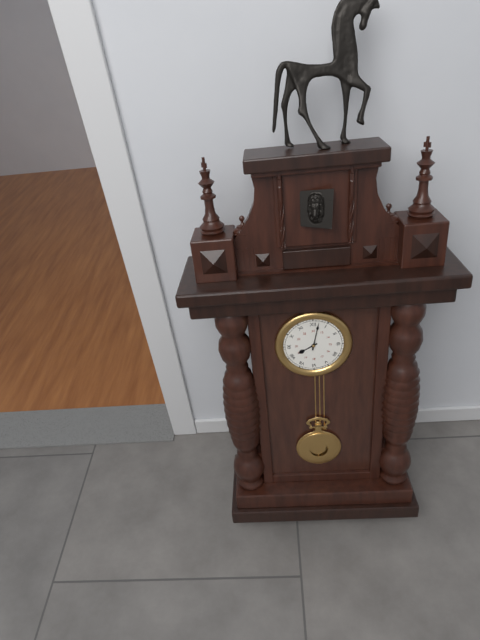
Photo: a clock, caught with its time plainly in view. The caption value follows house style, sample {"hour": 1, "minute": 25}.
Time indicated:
{"hour": 8, "minute": 2}
